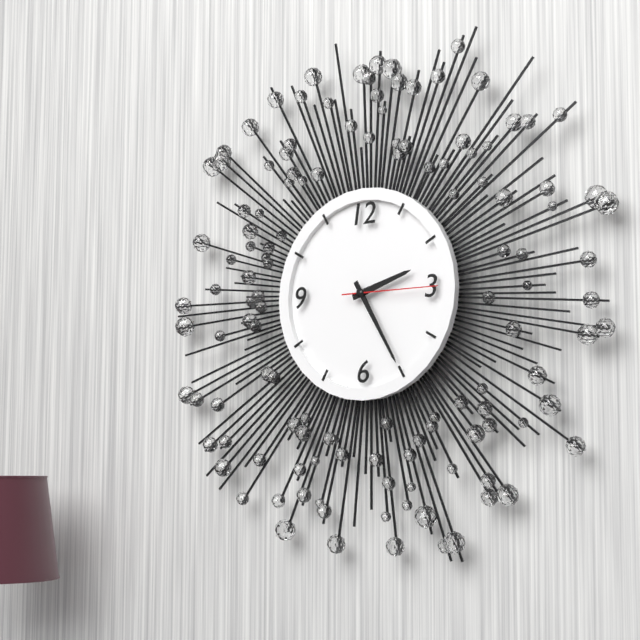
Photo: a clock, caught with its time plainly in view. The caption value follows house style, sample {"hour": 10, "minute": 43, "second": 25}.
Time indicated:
{"hour": 2, "minute": 25, "second": 15}
